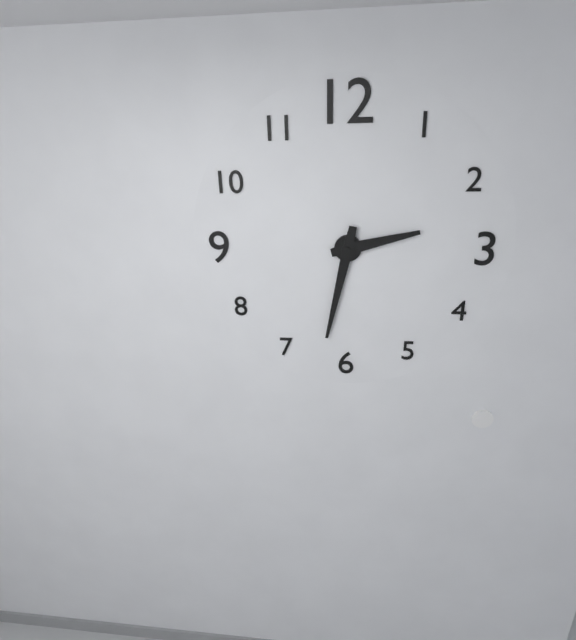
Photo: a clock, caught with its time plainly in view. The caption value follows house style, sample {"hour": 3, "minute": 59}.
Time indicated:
{"hour": 2, "minute": 32}
